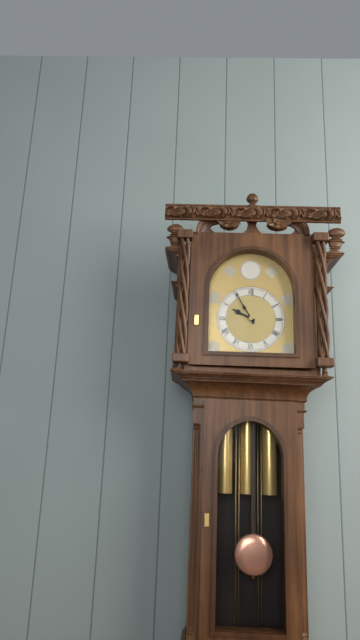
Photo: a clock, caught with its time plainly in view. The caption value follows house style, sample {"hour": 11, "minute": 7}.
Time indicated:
{"hour": 9, "minute": 55}
